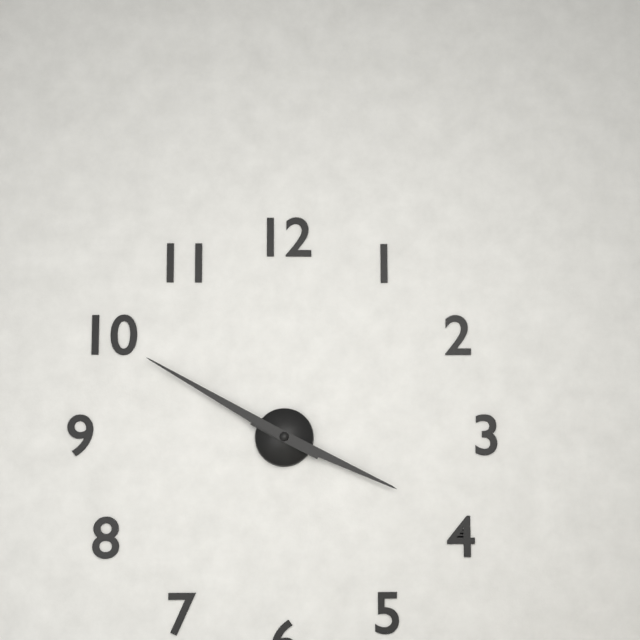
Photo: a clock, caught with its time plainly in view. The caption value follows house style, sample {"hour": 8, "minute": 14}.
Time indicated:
{"hour": 3, "minute": 50}
